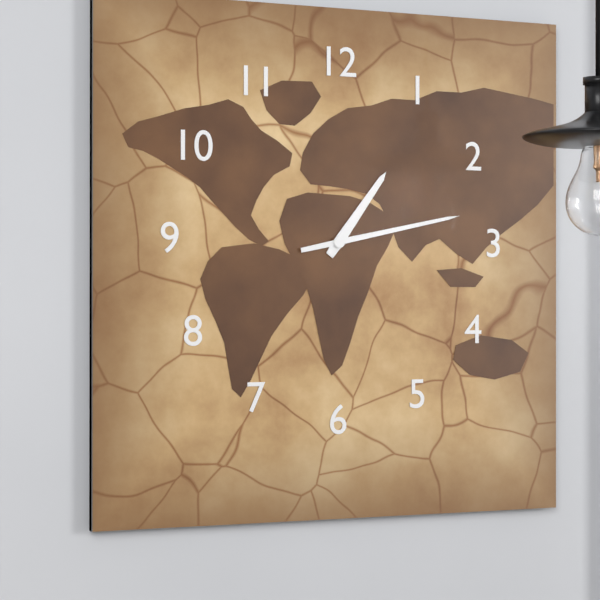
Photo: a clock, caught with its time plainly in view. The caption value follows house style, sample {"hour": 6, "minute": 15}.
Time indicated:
{"hour": 1, "minute": 13}
